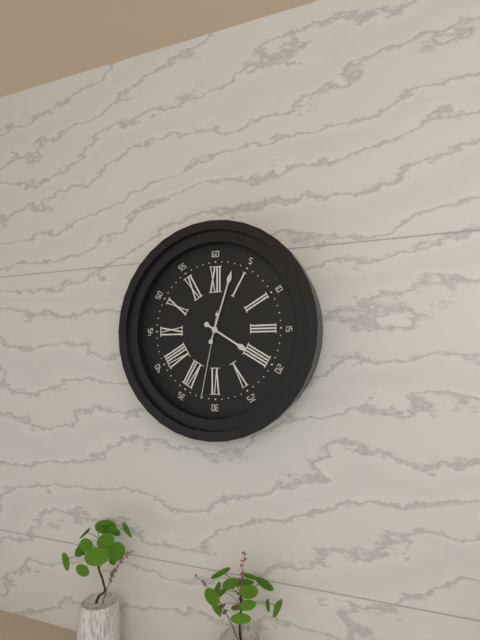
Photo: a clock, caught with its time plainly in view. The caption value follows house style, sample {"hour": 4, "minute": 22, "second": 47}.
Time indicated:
{"hour": 4, "minute": 3, "second": 32}
